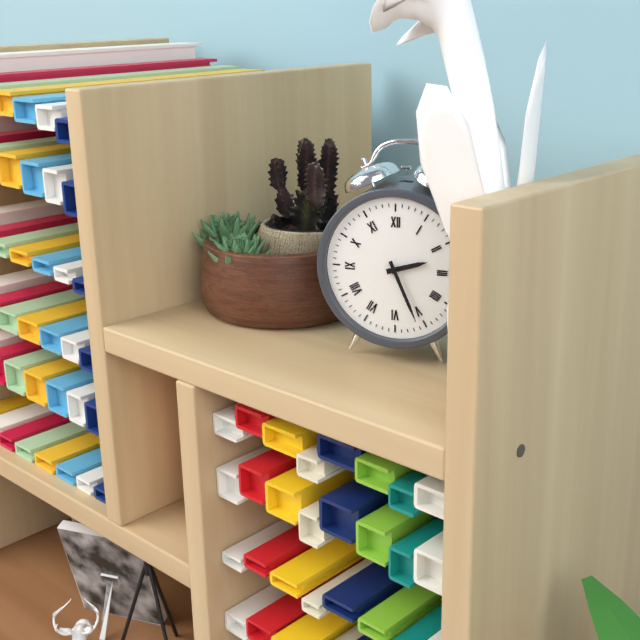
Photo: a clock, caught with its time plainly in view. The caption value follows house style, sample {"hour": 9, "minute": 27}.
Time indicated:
{"hour": 2, "minute": 26}
